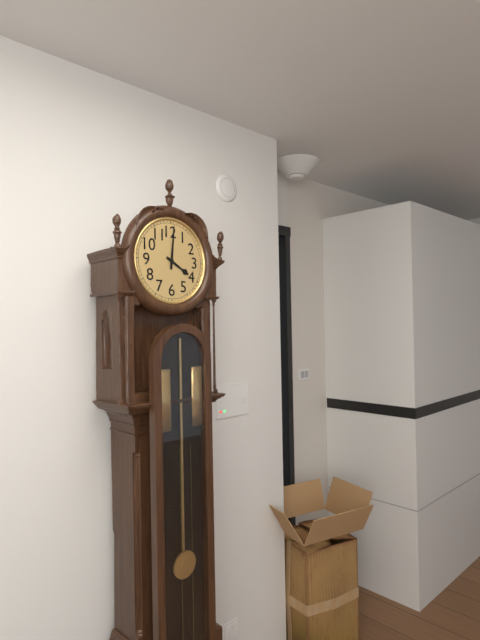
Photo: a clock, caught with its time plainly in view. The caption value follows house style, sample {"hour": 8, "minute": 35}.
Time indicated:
{"hour": 4, "minute": 1}
